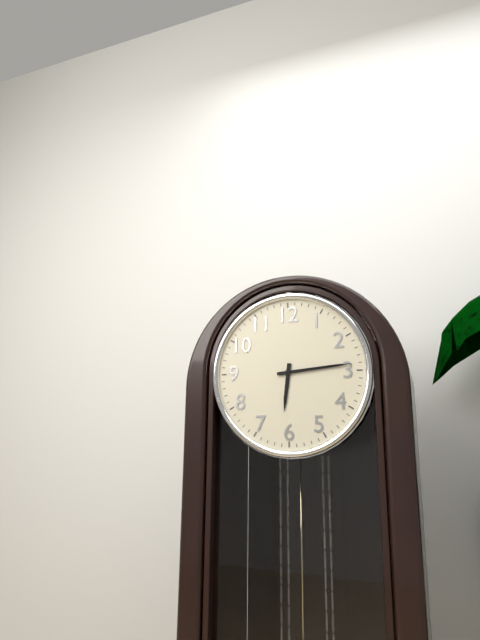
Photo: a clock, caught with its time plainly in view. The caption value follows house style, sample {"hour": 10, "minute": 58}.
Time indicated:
{"hour": 6, "minute": 14}
